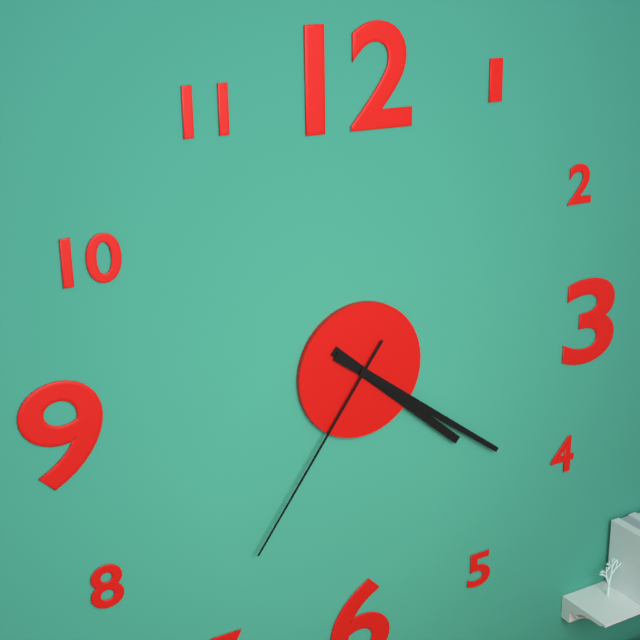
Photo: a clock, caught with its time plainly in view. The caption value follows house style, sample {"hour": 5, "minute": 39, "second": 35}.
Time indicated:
{"hour": 4, "minute": 21, "second": 36}
